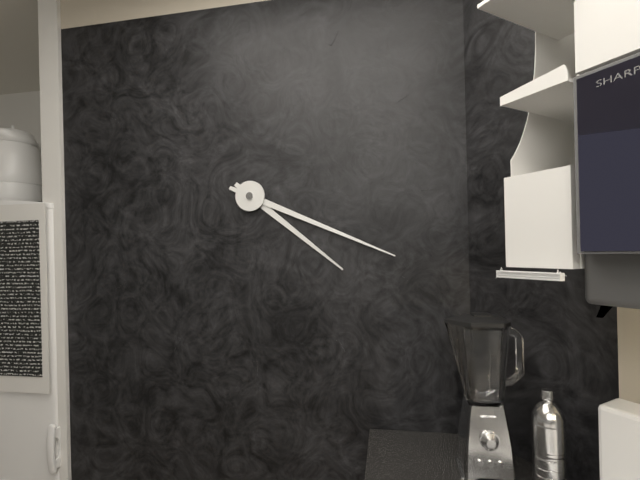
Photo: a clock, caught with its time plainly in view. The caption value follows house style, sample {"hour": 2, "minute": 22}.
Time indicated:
{"hour": 4, "minute": 19}
